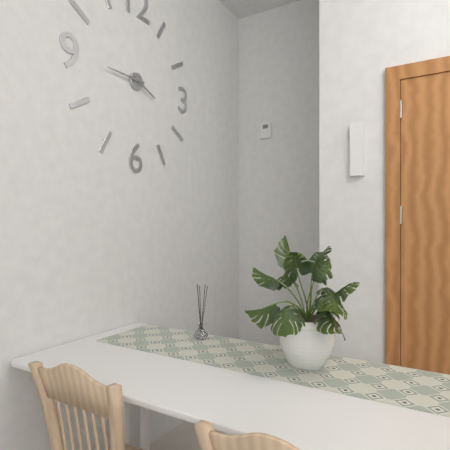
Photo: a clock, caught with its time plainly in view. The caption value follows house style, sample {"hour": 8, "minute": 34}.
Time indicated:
{"hour": 3, "minute": 45}
